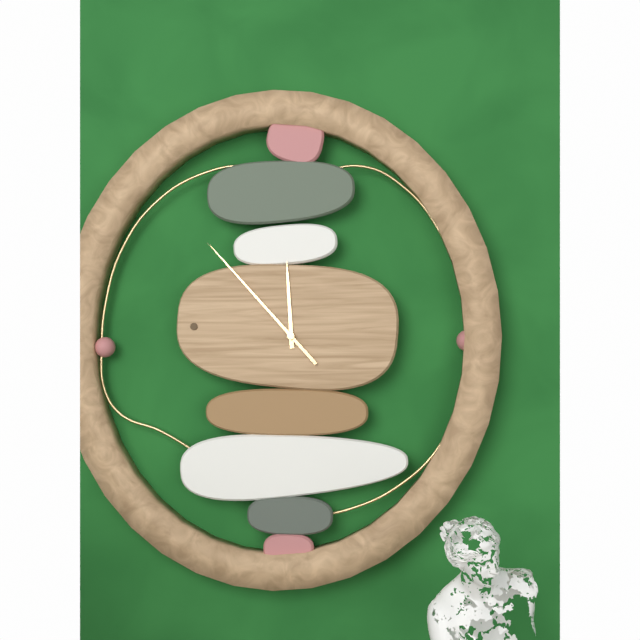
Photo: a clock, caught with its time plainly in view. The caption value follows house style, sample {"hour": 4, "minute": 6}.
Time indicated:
{"hour": 11, "minute": 53}
